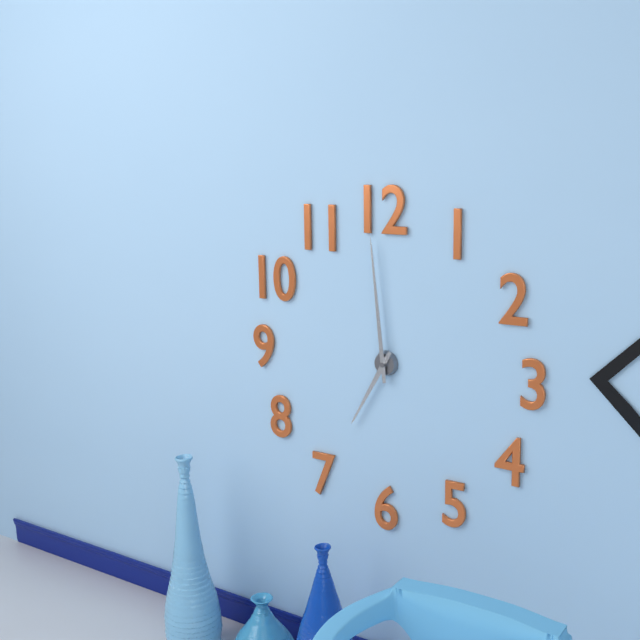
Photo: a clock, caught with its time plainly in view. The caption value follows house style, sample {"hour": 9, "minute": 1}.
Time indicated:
{"hour": 6, "minute": 59}
